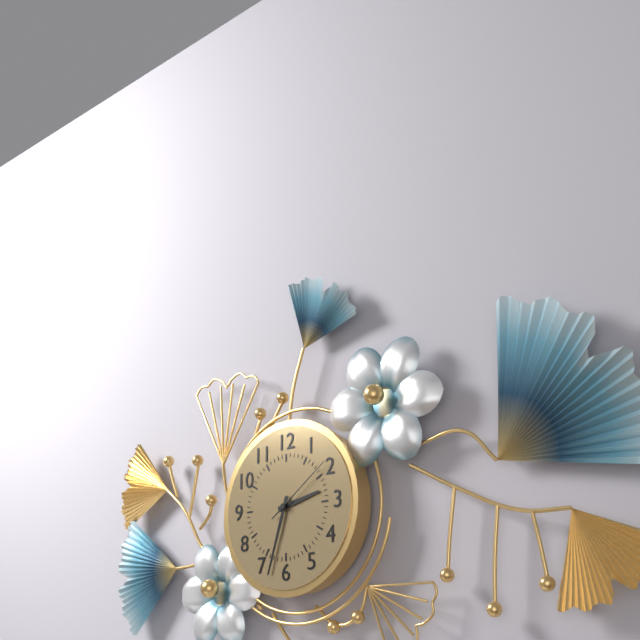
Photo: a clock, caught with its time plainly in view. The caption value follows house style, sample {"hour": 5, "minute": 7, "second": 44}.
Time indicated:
{"hour": 2, "minute": 33, "second": 9}
